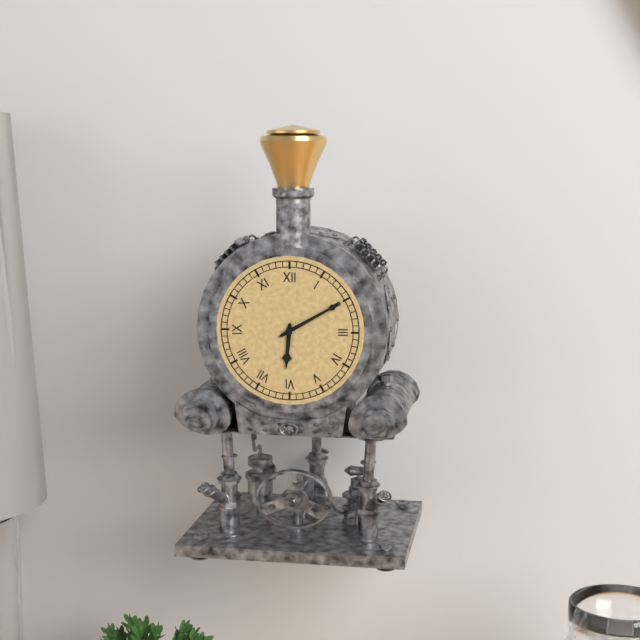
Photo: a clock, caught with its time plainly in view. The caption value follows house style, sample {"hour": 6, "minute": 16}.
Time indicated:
{"hour": 6, "minute": 10}
